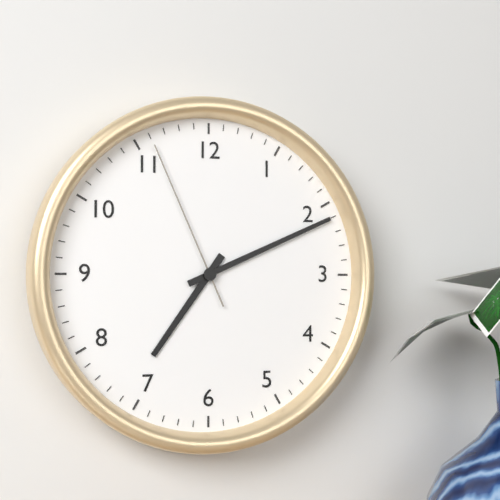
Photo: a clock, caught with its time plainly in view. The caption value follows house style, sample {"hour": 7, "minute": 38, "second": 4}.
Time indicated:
{"hour": 7, "minute": 11, "second": 56}
